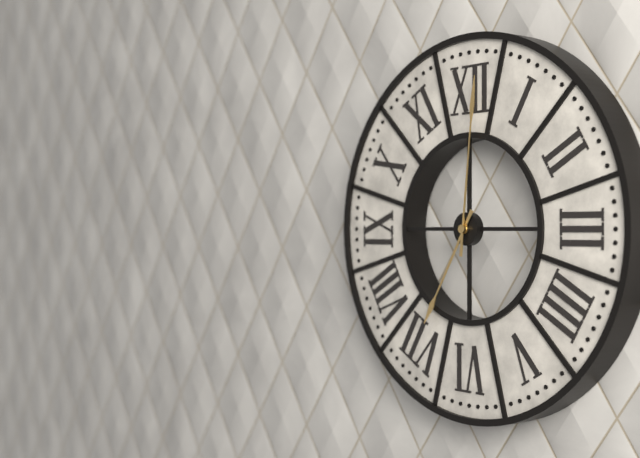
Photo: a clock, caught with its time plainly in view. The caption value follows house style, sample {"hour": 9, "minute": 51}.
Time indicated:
{"hour": 7, "minute": 1}
